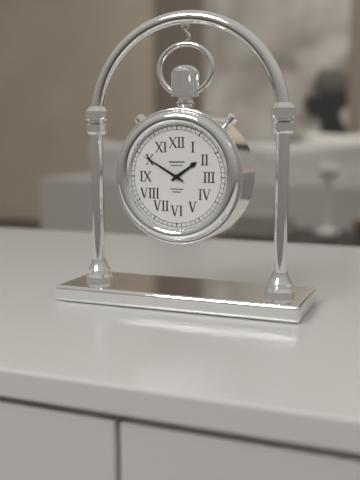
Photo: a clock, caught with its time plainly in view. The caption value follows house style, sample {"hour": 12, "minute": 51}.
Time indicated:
{"hour": 1, "minute": 50}
